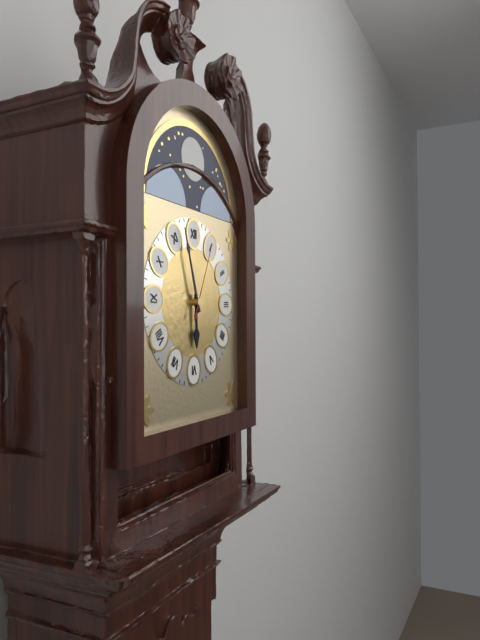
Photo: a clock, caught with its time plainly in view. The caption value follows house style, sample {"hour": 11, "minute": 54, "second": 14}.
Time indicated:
{"hour": 5, "minute": 57, "second": 4}
